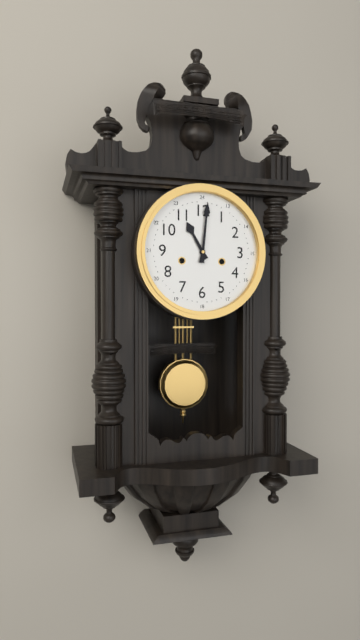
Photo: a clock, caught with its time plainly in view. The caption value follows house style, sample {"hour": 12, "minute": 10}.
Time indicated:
{"hour": 11, "minute": 1}
